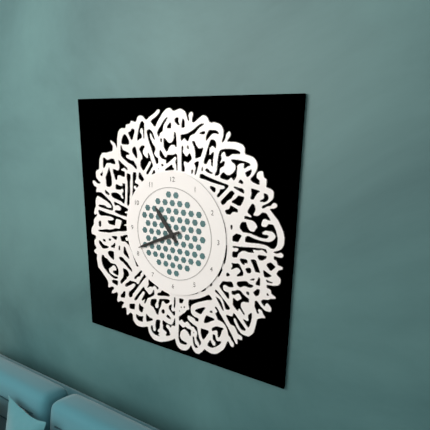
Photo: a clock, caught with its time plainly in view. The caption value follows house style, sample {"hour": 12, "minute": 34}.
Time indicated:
{"hour": 10, "minute": 41}
